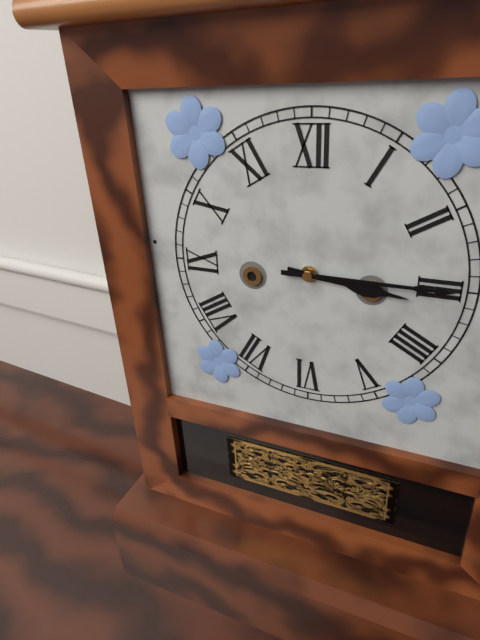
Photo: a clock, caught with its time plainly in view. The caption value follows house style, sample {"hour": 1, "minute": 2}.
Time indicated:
{"hour": 3, "minute": 15}
